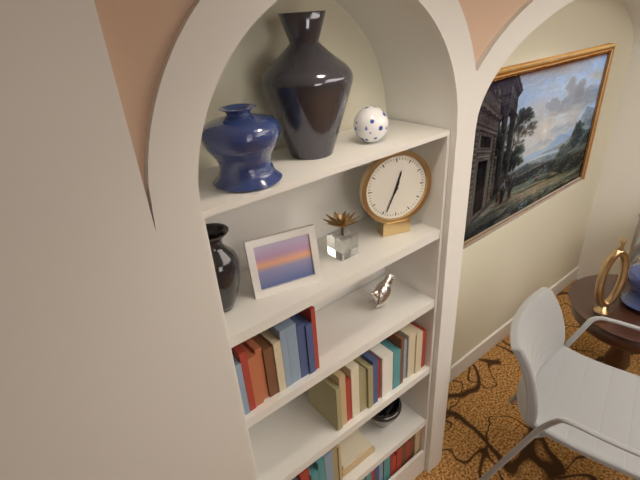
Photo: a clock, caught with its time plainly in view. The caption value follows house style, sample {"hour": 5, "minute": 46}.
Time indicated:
{"hour": 12, "minute": 34}
